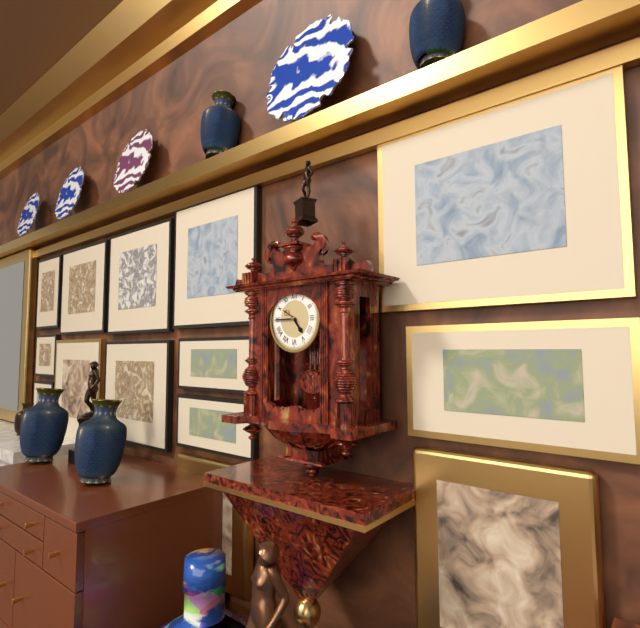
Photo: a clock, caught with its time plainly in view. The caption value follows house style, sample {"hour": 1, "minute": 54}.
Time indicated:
{"hour": 4, "minute": 45}
